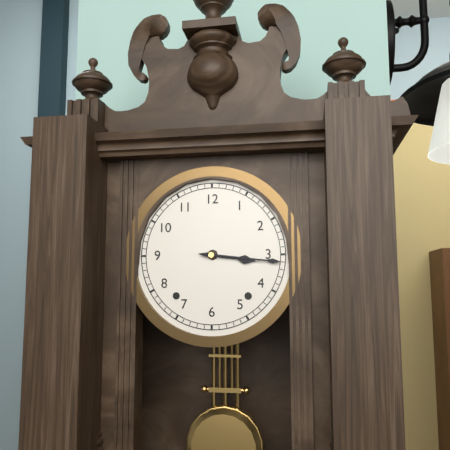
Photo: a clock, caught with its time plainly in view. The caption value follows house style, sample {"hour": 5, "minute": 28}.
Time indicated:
{"hour": 3, "minute": 16}
